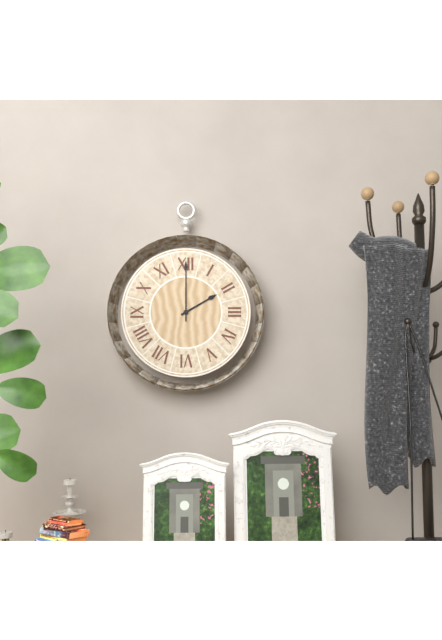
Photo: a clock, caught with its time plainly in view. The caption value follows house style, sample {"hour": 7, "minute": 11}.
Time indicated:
{"hour": 2, "minute": 0}
